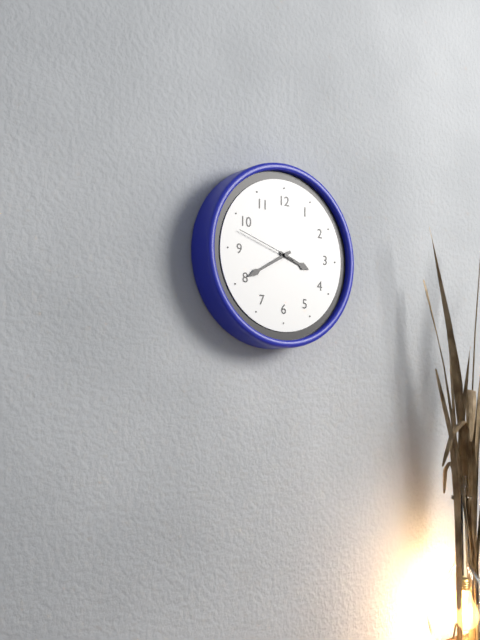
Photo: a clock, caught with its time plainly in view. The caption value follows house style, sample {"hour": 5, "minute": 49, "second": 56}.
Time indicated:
{"hour": 3, "minute": 40, "second": 48}
